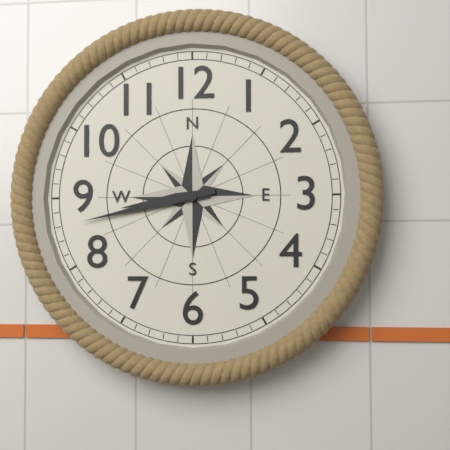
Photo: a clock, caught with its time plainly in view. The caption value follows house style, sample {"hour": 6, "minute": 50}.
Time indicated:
{"hour": 8, "minute": 43}
